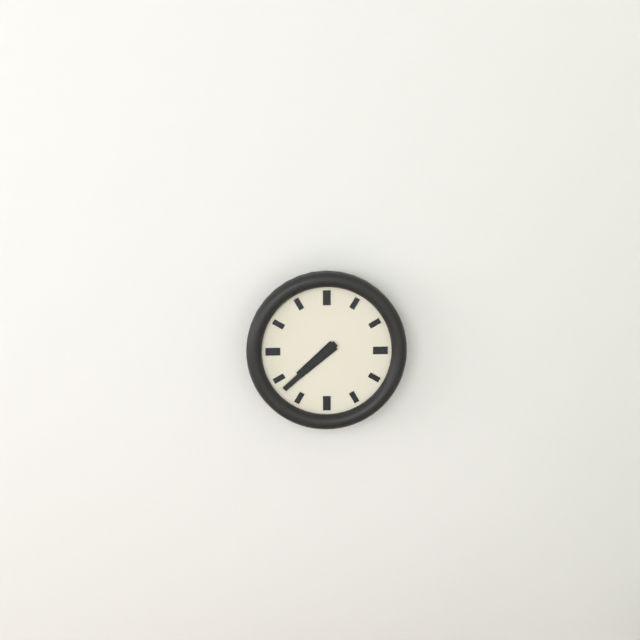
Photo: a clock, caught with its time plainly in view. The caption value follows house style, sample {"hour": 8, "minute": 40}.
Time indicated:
{"hour": 7, "minute": 38}
